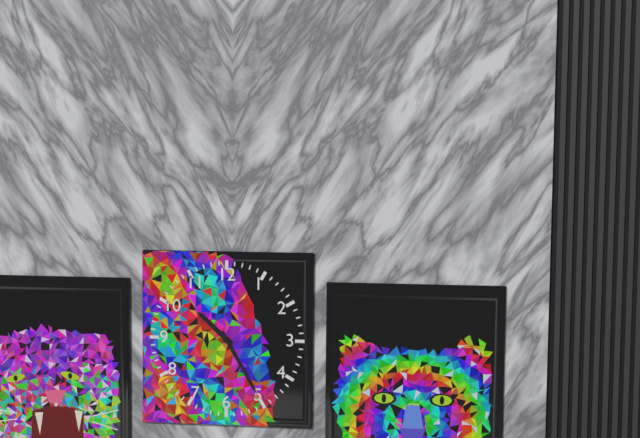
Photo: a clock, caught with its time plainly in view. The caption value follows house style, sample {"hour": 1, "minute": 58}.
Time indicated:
{"hour": 10, "minute": 25}
